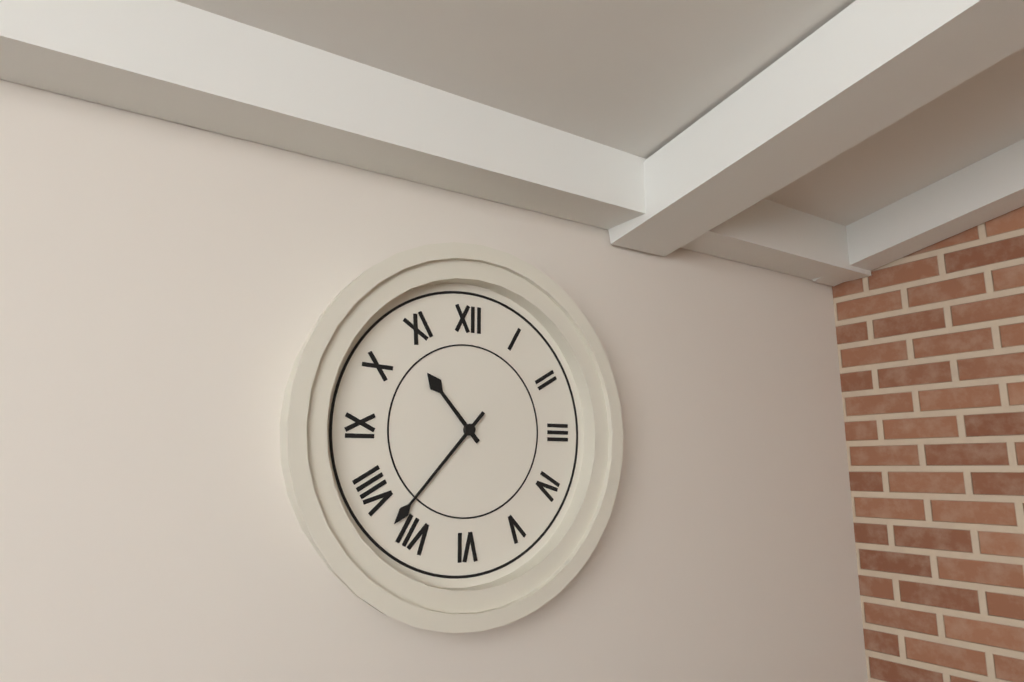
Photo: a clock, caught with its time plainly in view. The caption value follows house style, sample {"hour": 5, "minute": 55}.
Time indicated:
{"hour": 10, "minute": 37}
